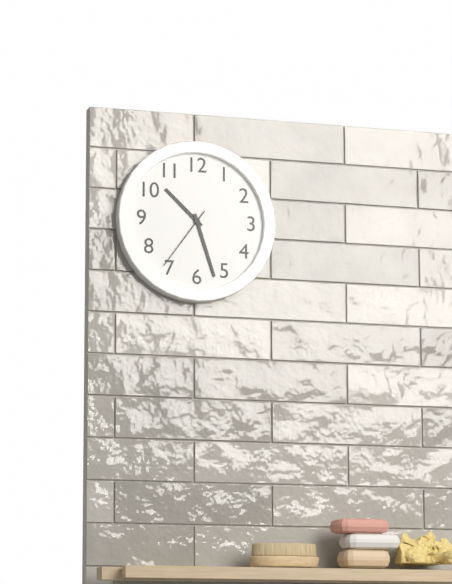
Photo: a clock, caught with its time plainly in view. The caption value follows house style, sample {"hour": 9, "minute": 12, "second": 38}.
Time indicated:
{"hour": 10, "minute": 27, "second": 36}
